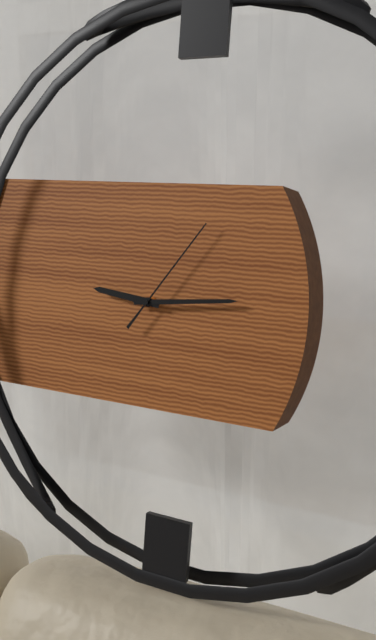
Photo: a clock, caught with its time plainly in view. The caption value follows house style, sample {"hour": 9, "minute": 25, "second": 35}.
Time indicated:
{"hour": 9, "minute": 14, "second": 6}
